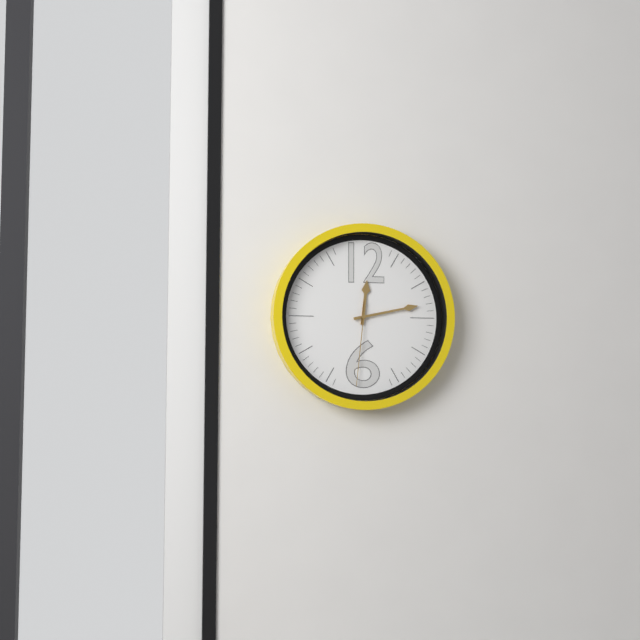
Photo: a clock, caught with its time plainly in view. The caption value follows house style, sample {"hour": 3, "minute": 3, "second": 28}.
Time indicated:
{"hour": 12, "minute": 13, "second": 31}
